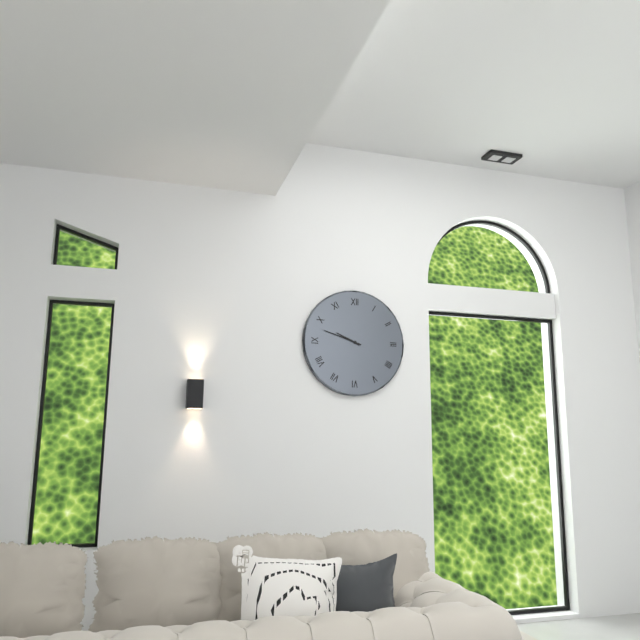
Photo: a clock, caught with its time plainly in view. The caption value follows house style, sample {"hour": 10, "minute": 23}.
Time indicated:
{"hour": 9, "minute": 48}
